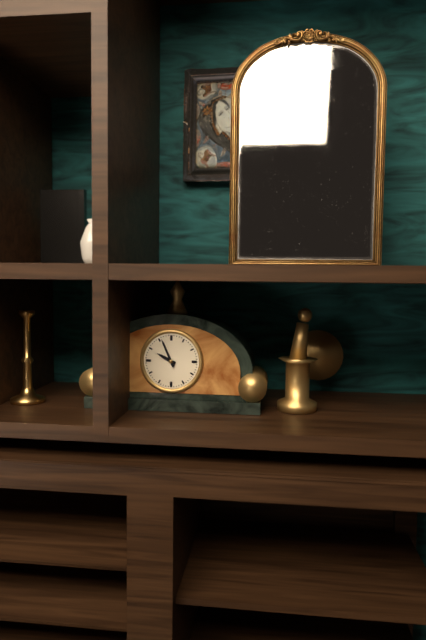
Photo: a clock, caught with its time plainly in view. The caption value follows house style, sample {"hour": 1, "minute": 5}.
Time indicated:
{"hour": 9, "minute": 56}
